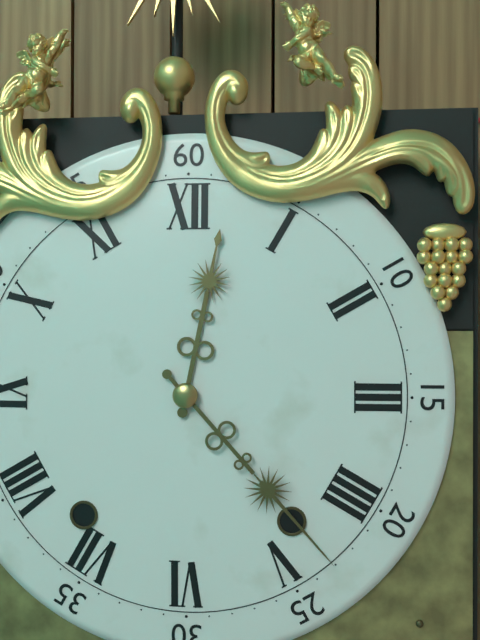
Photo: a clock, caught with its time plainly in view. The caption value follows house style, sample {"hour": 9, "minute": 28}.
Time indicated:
{"hour": 12, "minute": 23}
